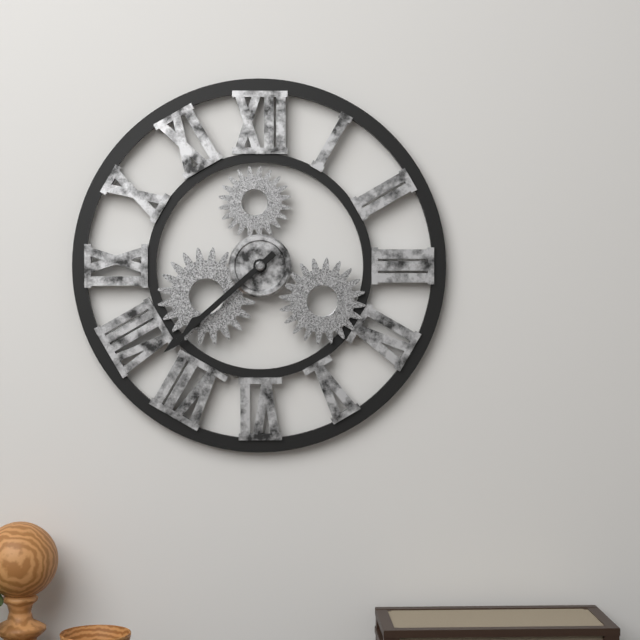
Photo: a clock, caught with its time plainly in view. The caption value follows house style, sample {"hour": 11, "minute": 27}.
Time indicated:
{"hour": 7, "minute": 38}
